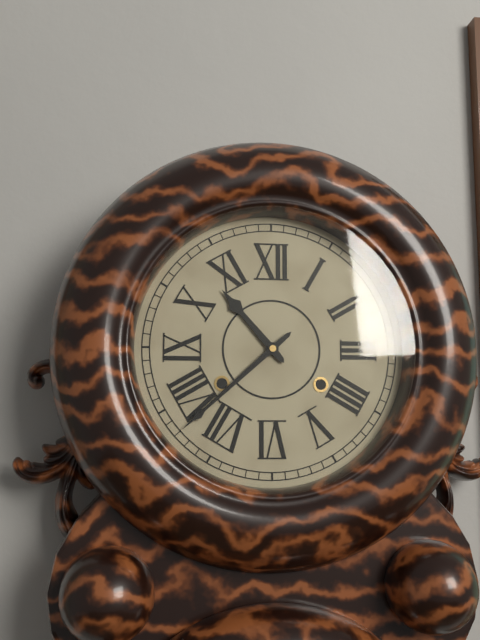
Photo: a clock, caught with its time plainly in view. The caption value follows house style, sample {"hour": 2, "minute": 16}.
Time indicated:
{"hour": 10, "minute": 38}
